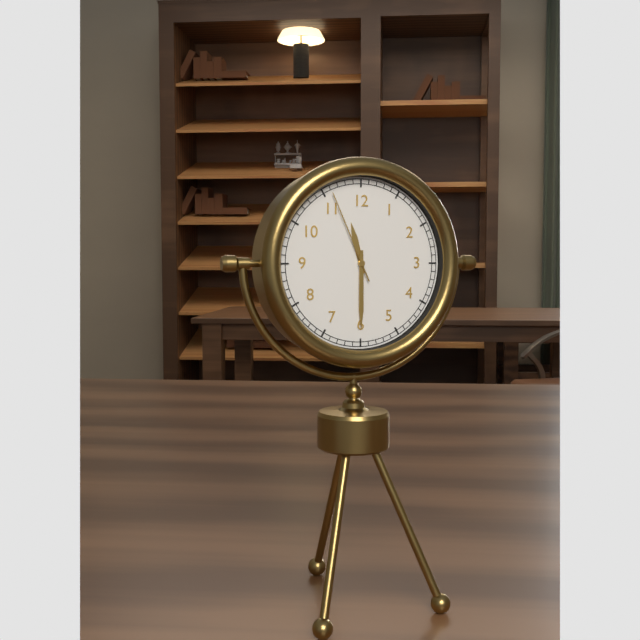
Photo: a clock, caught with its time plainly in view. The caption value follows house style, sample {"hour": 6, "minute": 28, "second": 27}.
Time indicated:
{"hour": 11, "minute": 30, "second": 56}
